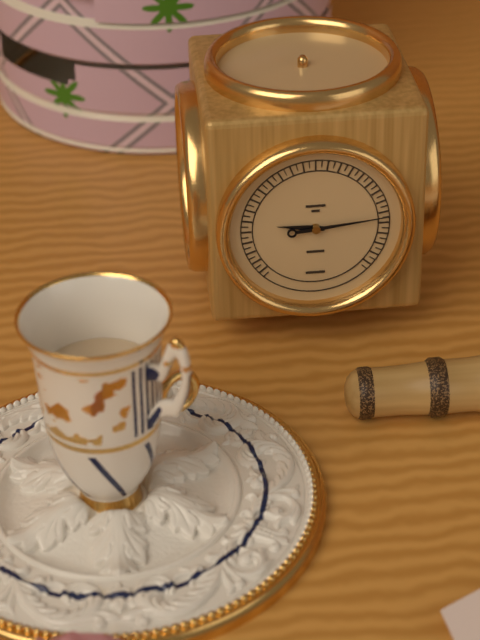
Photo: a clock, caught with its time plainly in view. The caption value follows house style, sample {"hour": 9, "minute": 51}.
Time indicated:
{"hour": 9, "minute": 14}
